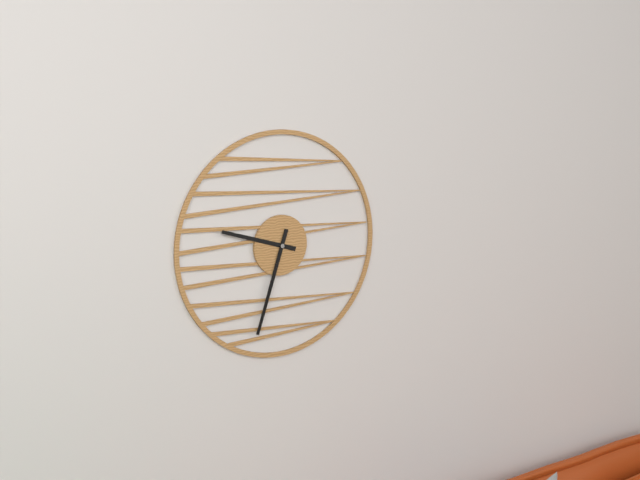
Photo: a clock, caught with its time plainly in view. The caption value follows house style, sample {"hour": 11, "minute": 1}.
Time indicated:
{"hour": 9, "minute": 33}
